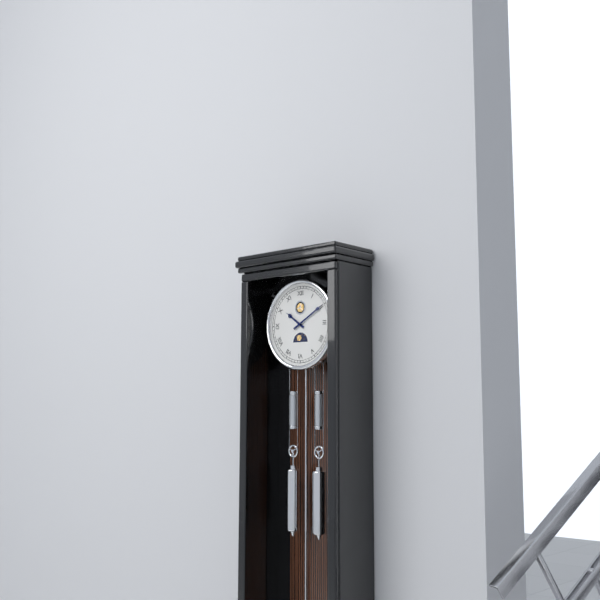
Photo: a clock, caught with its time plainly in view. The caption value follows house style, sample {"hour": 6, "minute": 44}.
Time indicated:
{"hour": 10, "minute": 10}
